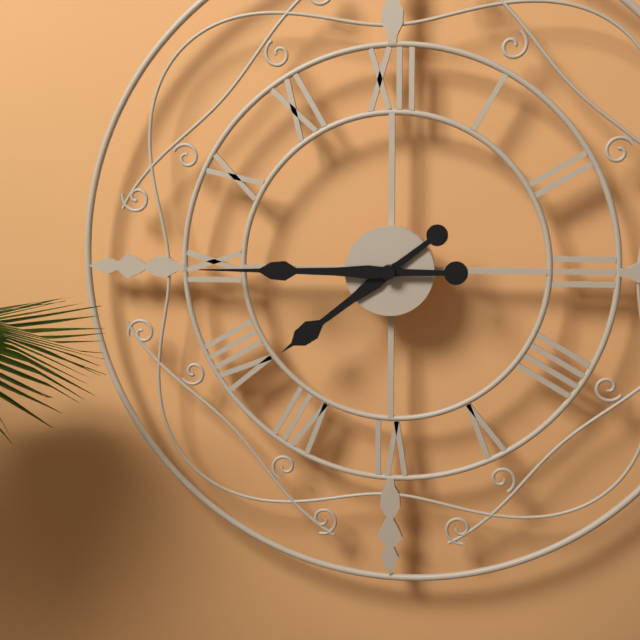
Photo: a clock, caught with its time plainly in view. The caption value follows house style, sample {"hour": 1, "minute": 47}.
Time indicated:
{"hour": 7, "minute": 45}
